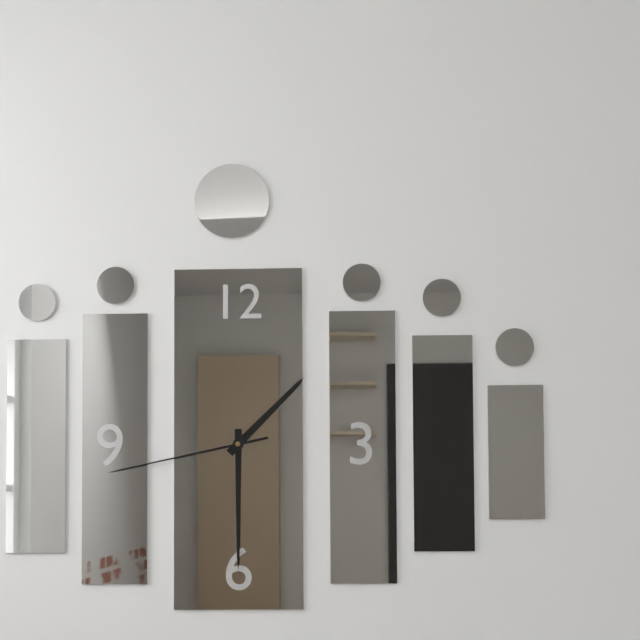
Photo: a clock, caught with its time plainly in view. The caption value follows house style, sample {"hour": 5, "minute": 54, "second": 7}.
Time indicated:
{"hour": 1, "minute": 30, "second": 43}
